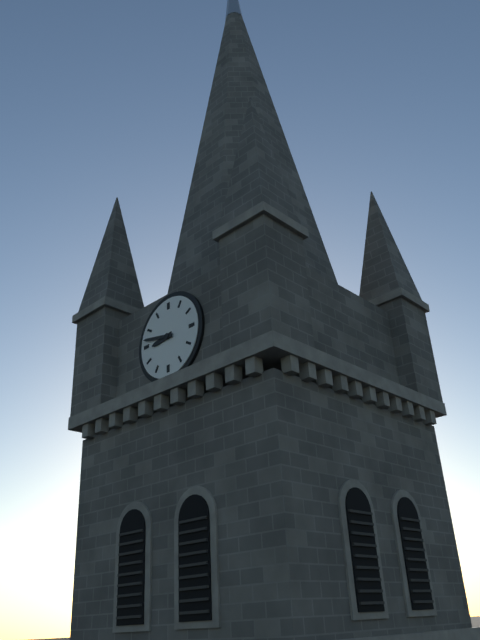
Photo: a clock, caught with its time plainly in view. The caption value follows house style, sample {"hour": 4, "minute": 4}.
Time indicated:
{"hour": 8, "minute": 47}
